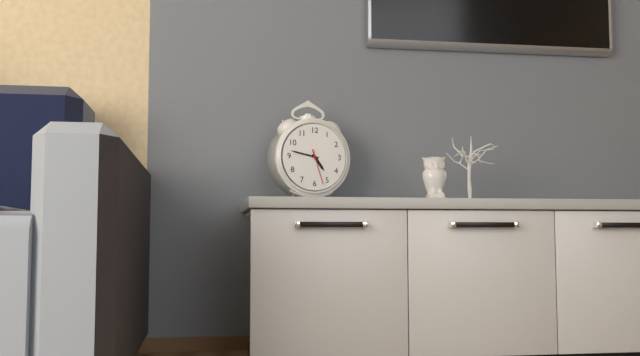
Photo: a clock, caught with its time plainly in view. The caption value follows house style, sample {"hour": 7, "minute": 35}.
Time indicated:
{"hour": 4, "minute": 47}
